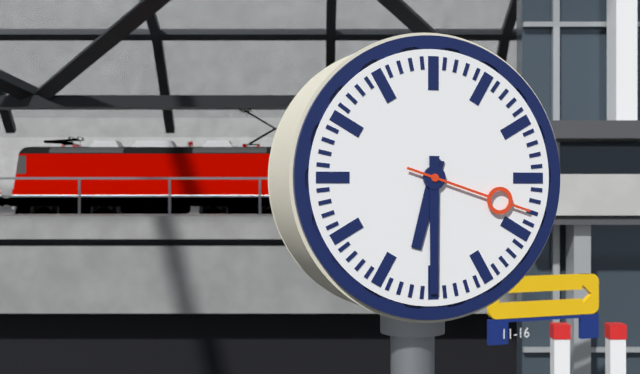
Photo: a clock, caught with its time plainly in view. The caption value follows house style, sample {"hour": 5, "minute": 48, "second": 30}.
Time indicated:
{"hour": 6, "minute": 30, "second": 18}
